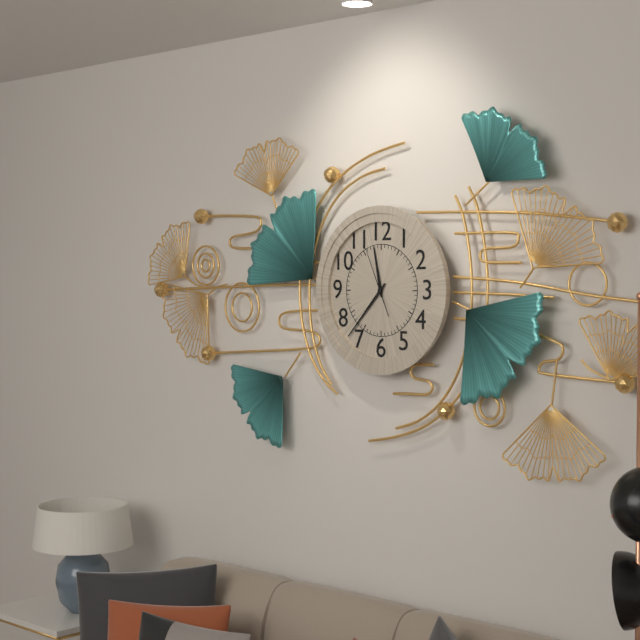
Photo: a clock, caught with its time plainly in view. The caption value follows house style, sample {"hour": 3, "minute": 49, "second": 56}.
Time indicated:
{"hour": 11, "minute": 37, "second": 56}
